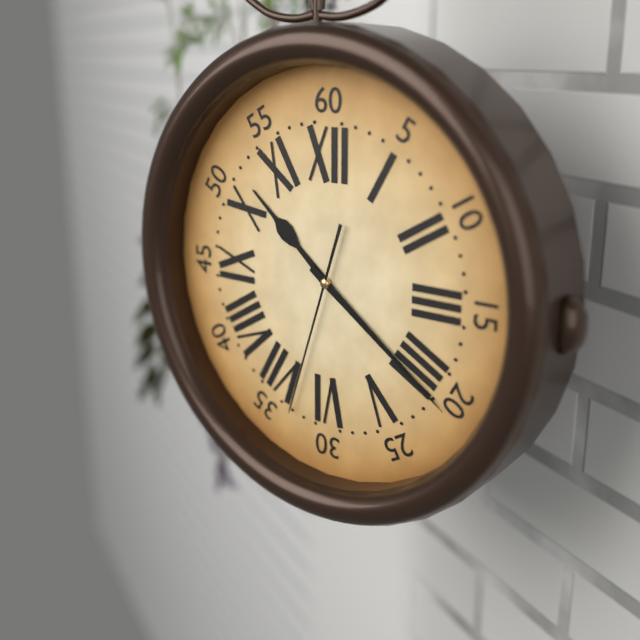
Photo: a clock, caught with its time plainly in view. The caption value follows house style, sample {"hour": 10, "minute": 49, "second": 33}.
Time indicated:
{"hour": 10, "minute": 21, "second": 33}
